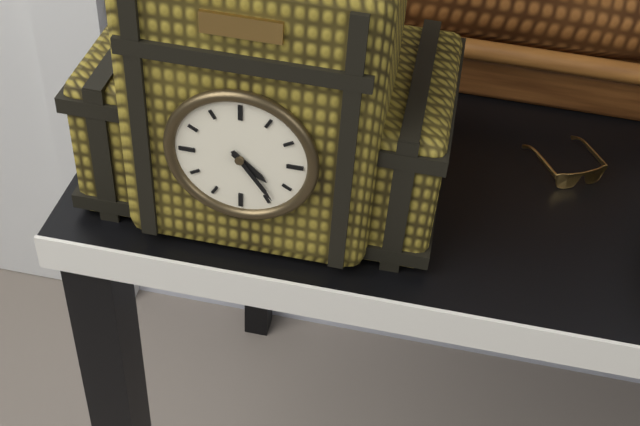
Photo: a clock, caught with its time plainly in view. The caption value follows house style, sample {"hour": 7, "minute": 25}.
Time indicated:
{"hour": 4, "minute": 24}
